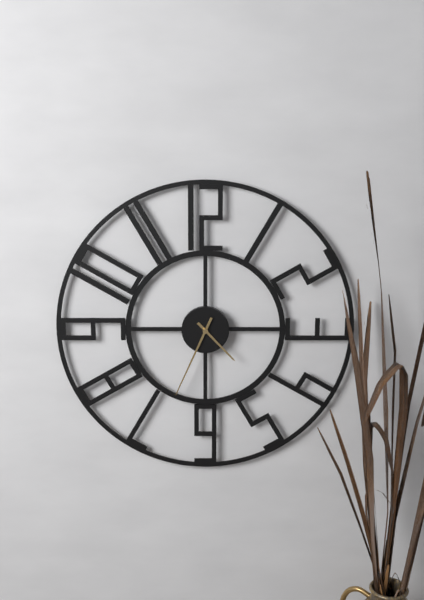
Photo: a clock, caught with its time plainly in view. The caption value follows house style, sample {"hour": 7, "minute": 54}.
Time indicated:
{"hour": 4, "minute": 34}
